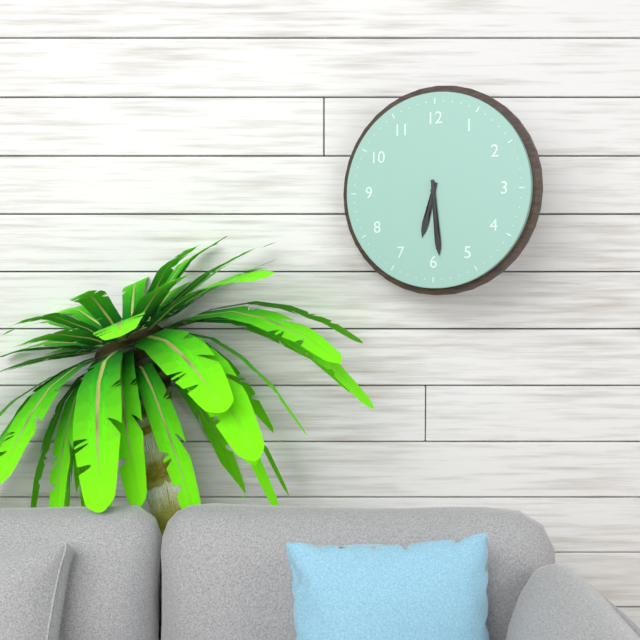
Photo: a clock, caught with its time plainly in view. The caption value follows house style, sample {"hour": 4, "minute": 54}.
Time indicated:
{"hour": 6, "minute": 29}
